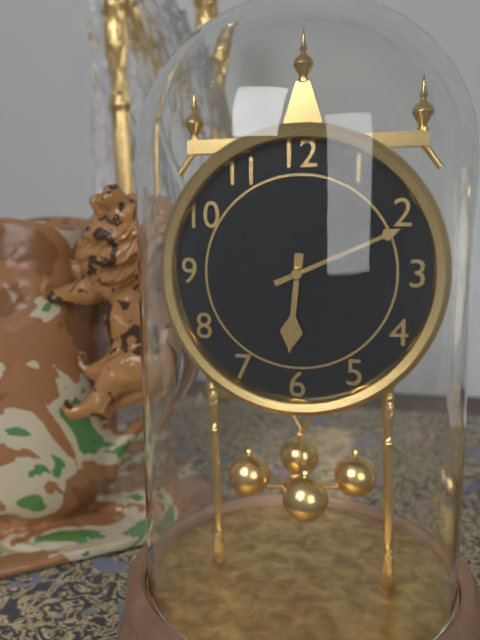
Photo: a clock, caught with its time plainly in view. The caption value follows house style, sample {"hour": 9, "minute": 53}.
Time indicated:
{"hour": 6, "minute": 11}
